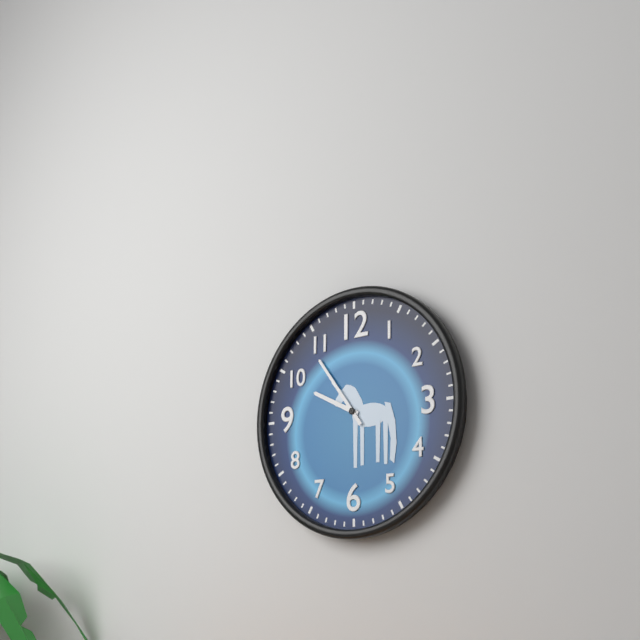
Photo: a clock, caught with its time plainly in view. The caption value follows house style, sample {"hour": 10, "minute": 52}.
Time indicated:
{"hour": 9, "minute": 54}
